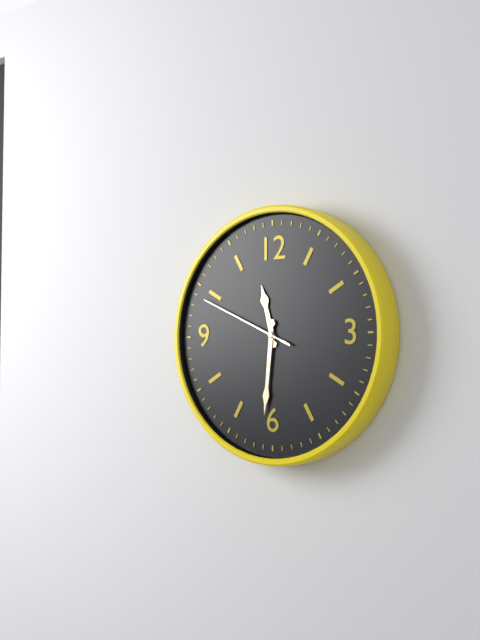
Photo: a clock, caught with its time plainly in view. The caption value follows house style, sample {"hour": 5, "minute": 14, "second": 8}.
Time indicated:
{"hour": 11, "minute": 31, "second": 49}
